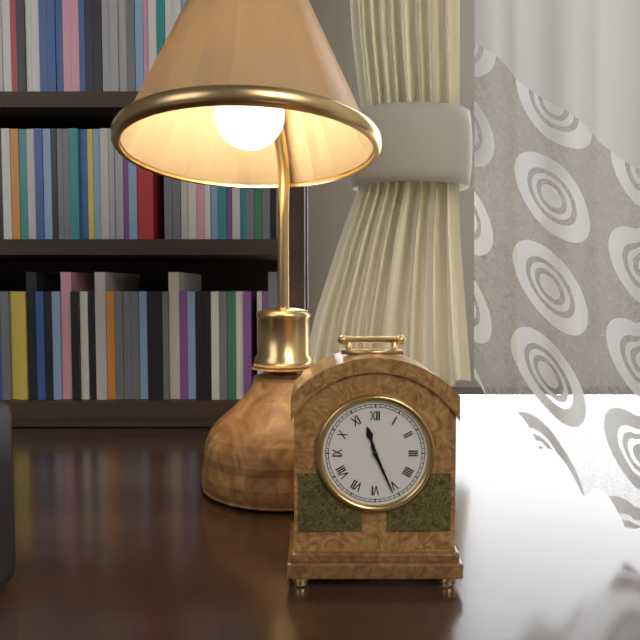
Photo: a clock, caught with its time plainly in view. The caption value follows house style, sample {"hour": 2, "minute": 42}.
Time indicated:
{"hour": 11, "minute": 26}
